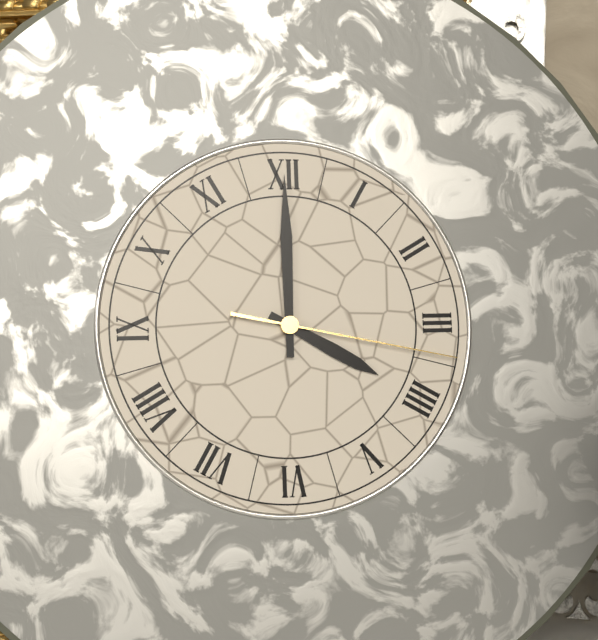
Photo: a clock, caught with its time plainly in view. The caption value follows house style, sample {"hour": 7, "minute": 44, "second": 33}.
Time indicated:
{"hour": 4, "minute": 0, "second": 17}
